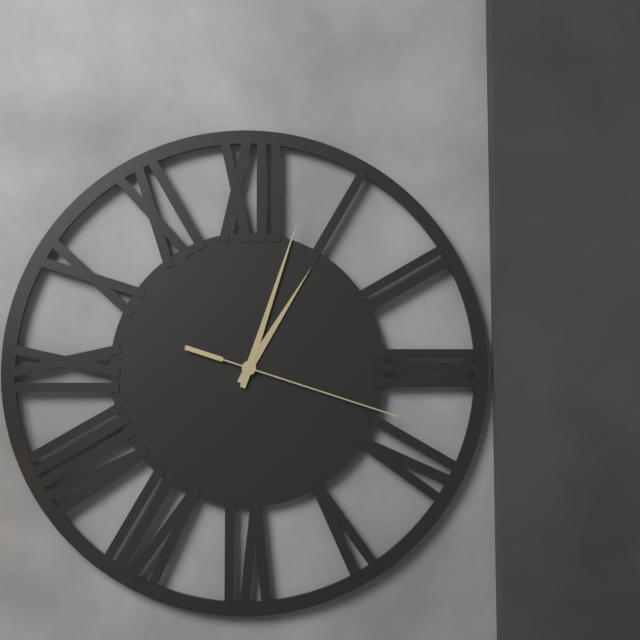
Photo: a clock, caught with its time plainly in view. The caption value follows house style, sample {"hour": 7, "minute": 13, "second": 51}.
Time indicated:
{"hour": 1, "minute": 3, "second": 18}
